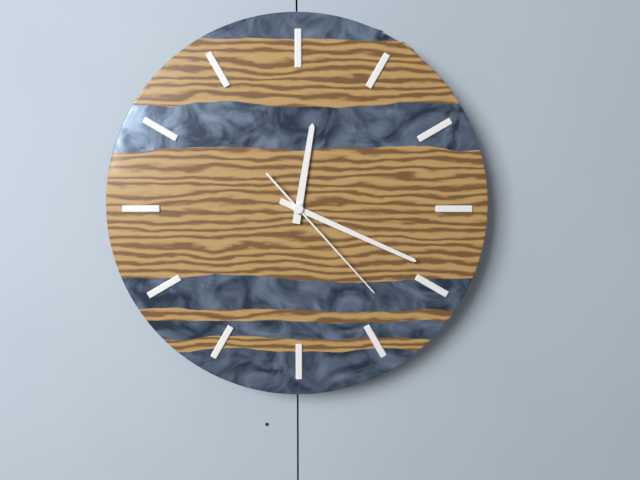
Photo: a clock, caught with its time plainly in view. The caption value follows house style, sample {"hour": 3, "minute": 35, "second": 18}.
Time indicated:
{"hour": 12, "minute": 19, "second": 23}
